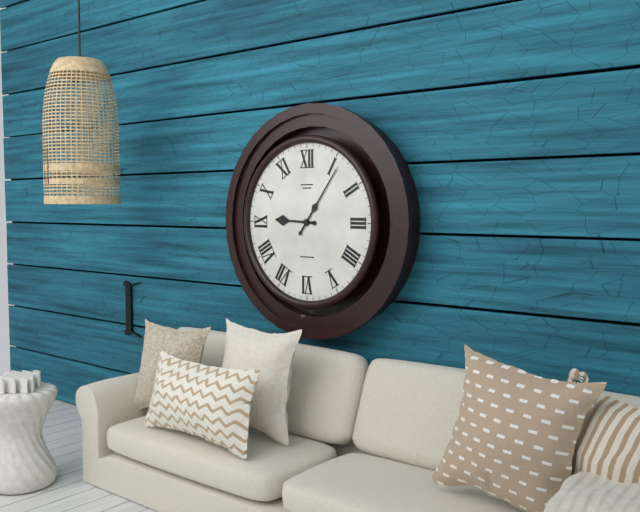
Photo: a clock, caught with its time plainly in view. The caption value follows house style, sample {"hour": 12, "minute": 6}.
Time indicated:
{"hour": 9, "minute": 6}
